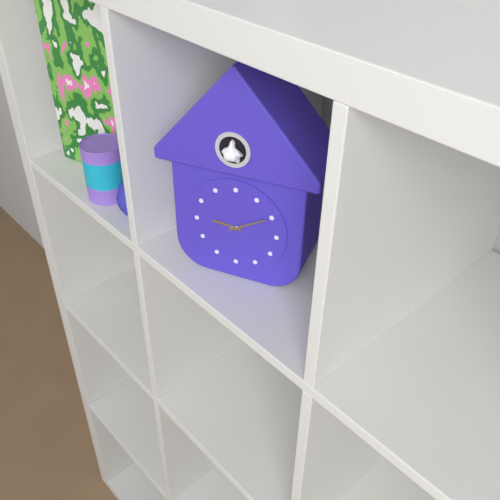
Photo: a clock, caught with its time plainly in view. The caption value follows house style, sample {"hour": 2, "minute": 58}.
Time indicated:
{"hour": 9, "minute": 10}
